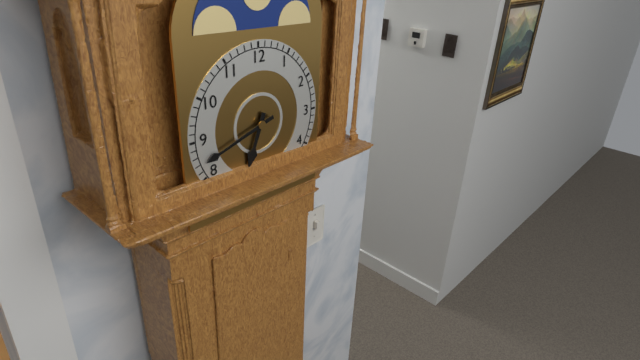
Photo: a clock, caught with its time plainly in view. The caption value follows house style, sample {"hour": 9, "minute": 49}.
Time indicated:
{"hour": 6, "minute": 42}
